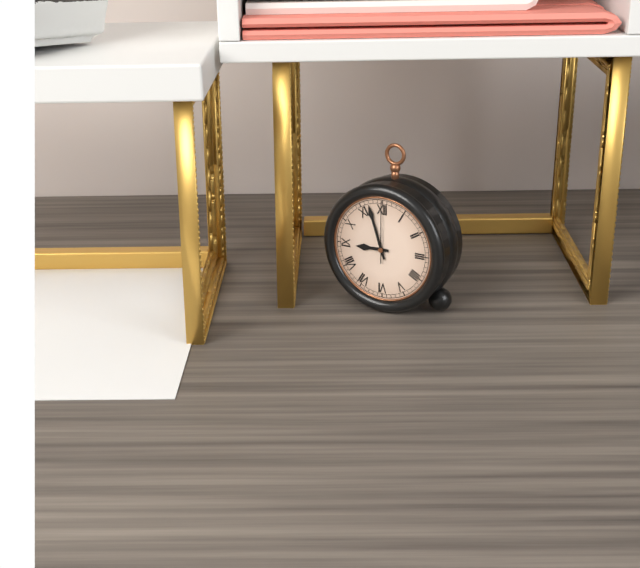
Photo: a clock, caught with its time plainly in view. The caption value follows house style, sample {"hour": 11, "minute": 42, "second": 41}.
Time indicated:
{"hour": 8, "minute": 57, "second": 0}
